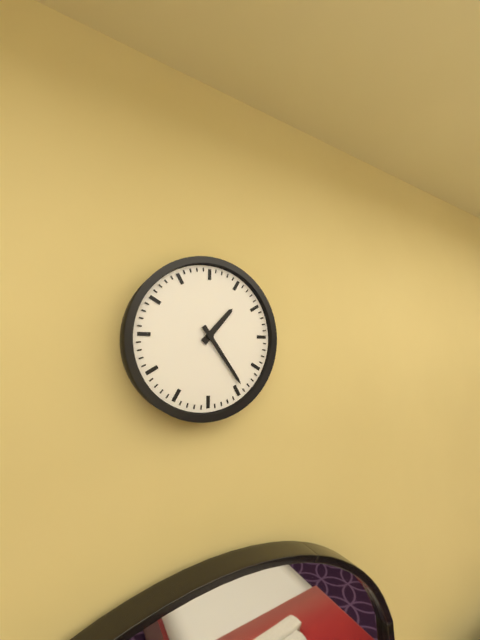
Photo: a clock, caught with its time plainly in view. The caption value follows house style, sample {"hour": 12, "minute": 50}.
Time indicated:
{"hour": 1, "minute": 24}
